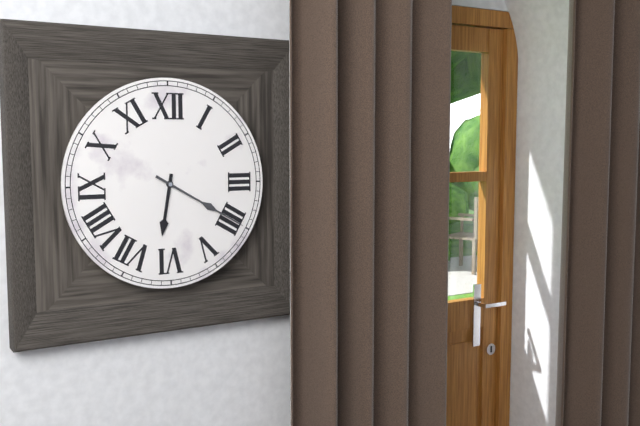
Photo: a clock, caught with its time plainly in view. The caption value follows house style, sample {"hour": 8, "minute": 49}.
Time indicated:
{"hour": 6, "minute": 20}
